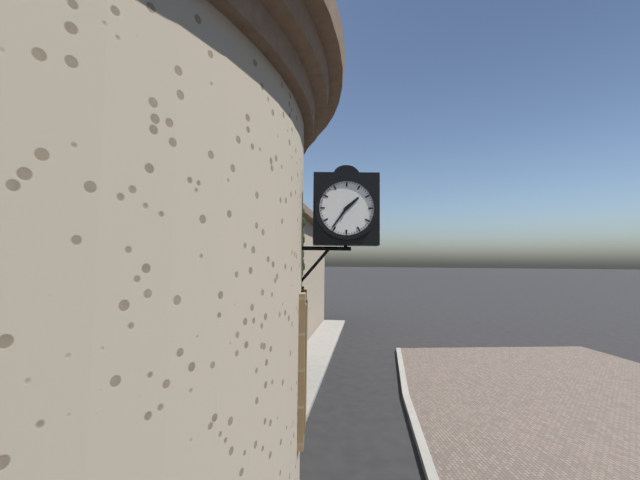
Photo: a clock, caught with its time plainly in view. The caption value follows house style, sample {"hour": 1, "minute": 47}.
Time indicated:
{"hour": 1, "minute": 36}
